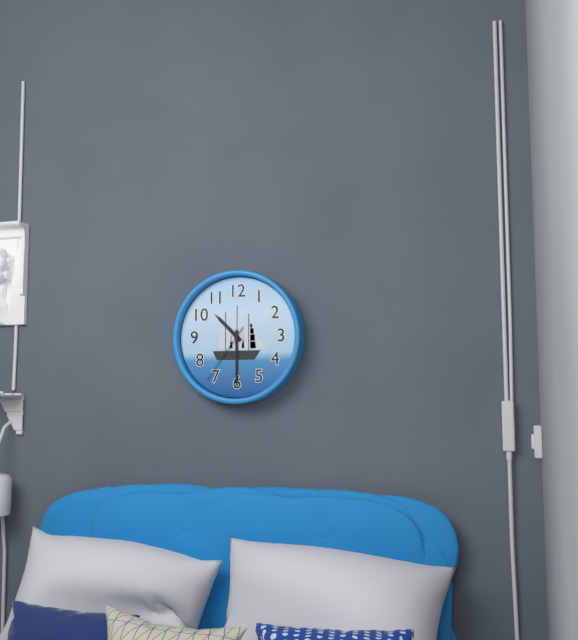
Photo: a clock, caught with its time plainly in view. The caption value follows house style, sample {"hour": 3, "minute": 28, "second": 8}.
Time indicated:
{"hour": 10, "minute": 30, "second": 36}
